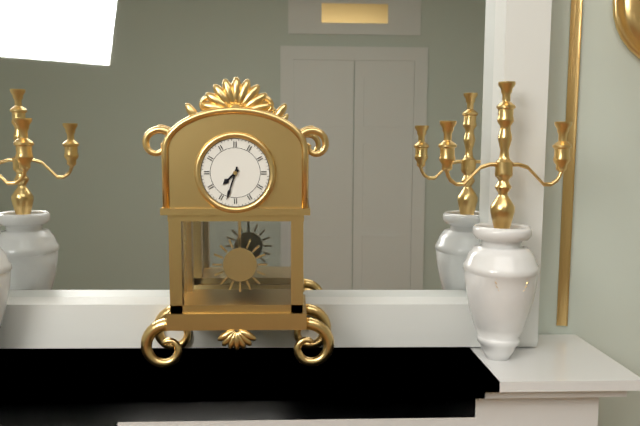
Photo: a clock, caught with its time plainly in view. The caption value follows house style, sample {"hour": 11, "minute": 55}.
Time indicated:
{"hour": 7, "minute": 33}
